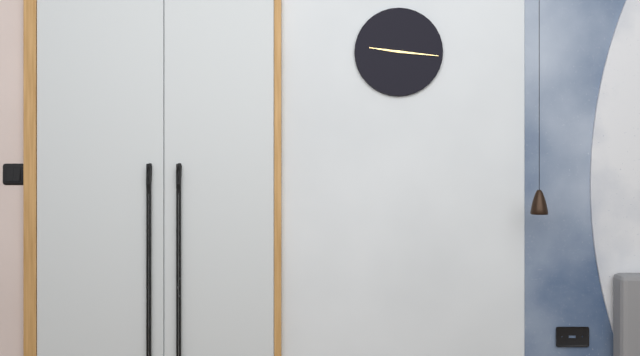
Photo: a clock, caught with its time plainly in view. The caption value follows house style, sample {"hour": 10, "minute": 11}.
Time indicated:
{"hour": 9, "minute": 16}
